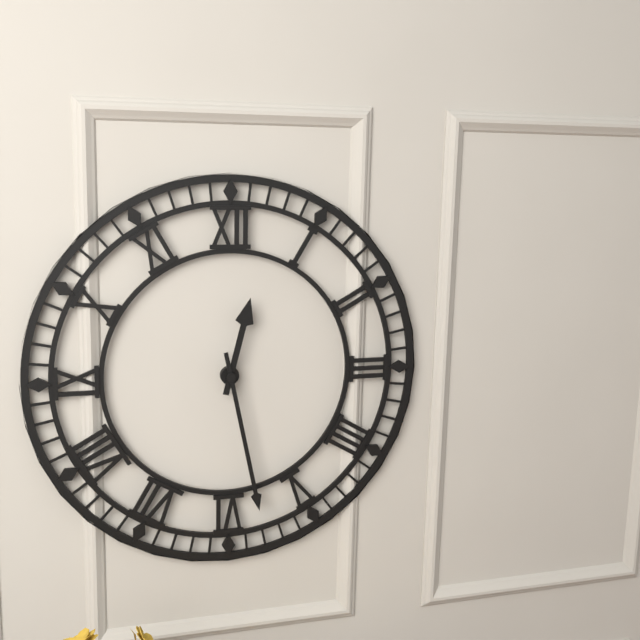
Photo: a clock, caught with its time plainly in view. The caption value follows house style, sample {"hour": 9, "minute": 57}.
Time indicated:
{"hour": 12, "minute": 28}
